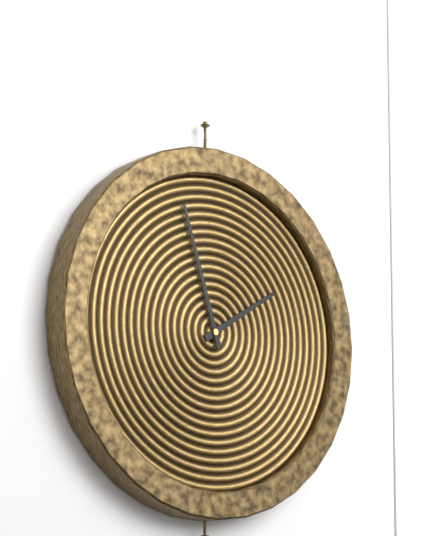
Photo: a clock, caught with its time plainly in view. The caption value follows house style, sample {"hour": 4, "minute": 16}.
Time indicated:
{"hour": 1, "minute": 57}
